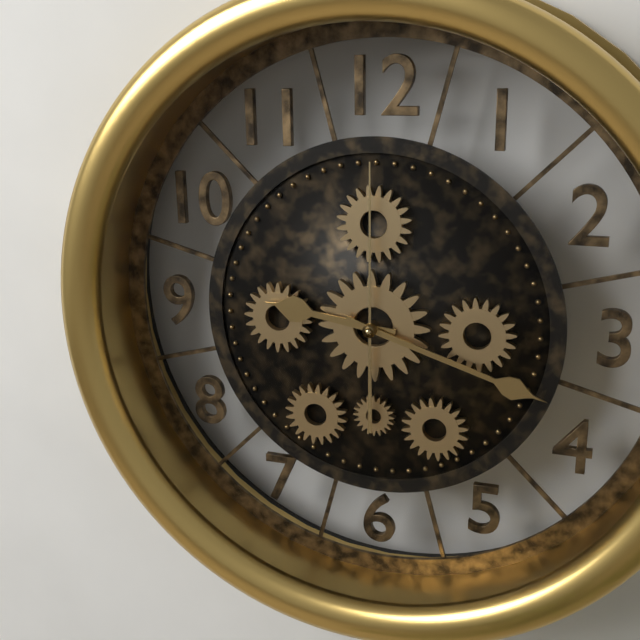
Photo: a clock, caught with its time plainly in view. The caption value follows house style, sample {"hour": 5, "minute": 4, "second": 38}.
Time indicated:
{"hour": 9, "minute": 18, "second": 0}
